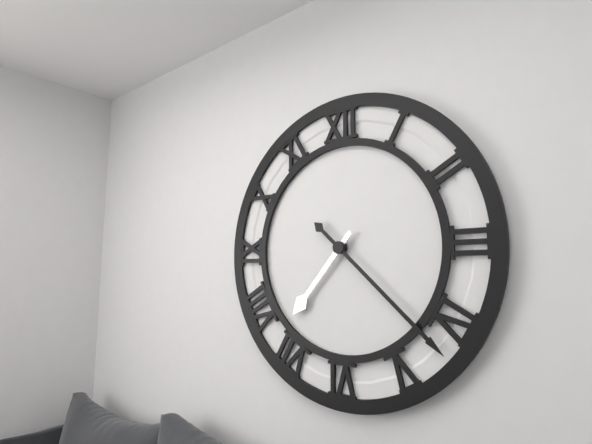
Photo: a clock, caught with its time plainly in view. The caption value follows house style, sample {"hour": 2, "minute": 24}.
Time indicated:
{"hour": 7, "minute": 22}
